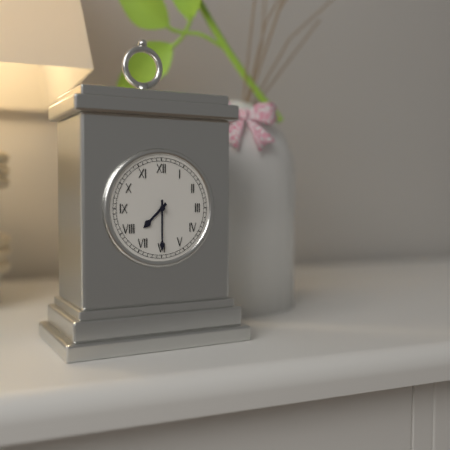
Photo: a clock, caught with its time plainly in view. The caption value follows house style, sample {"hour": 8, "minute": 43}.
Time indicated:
{"hour": 7, "minute": 30}
